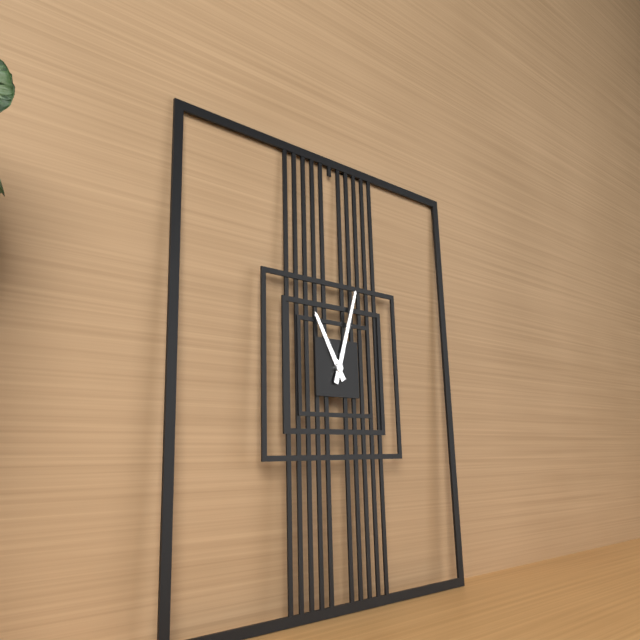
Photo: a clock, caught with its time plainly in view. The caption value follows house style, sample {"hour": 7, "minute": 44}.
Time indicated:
{"hour": 11, "minute": 3}
